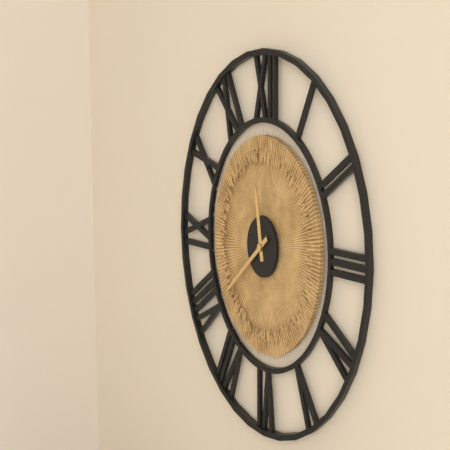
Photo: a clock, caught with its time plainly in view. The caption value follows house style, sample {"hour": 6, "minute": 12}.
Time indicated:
{"hour": 11, "minute": 39}
